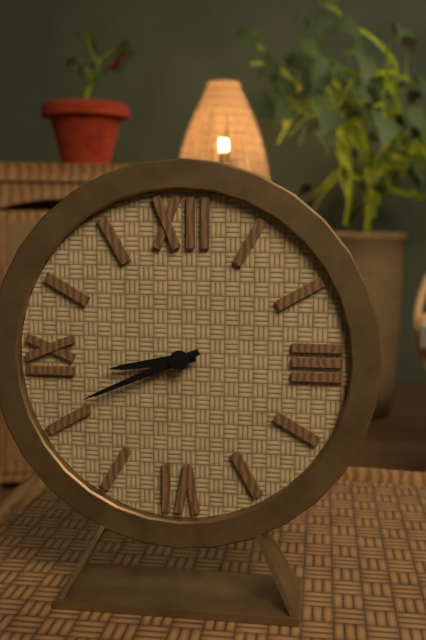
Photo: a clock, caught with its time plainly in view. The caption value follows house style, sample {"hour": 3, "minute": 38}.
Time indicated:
{"hour": 8, "minute": 41}
